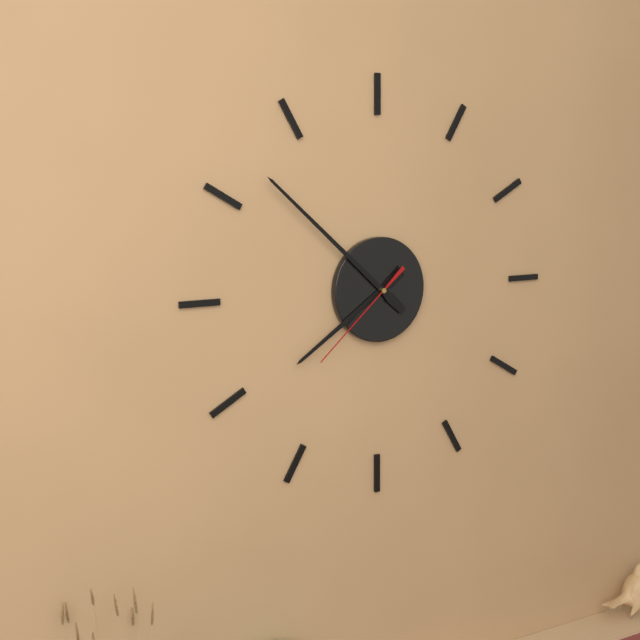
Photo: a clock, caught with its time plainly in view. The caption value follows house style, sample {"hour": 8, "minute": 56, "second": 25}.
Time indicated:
{"hour": 7, "minute": 52, "second": 38}
